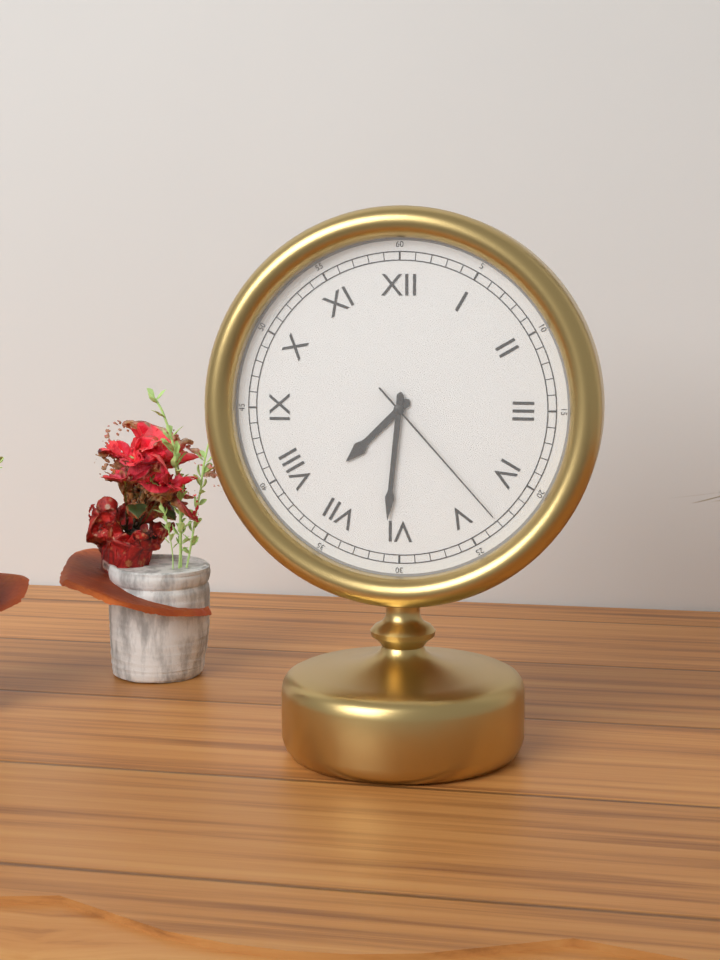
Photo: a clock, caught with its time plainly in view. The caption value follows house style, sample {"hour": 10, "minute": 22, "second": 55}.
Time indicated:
{"hour": 7, "minute": 31, "second": 23}
